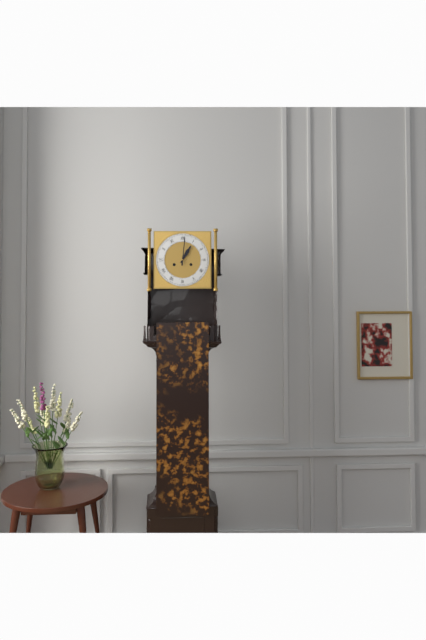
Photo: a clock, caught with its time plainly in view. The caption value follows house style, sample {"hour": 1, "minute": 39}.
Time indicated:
{"hour": 1, "minute": 1}
